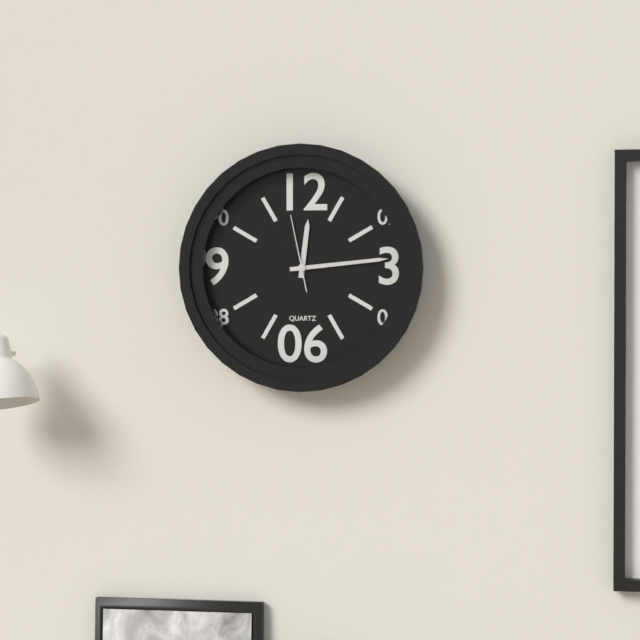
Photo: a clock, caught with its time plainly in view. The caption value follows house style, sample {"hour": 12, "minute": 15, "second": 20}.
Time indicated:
{"hour": 12, "minute": 14, "second": 58}
